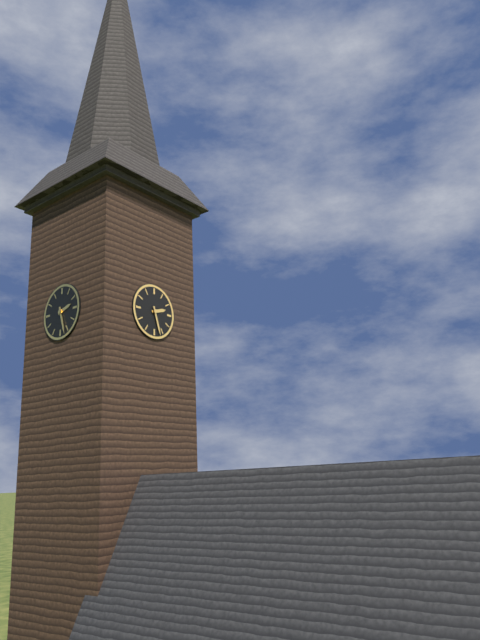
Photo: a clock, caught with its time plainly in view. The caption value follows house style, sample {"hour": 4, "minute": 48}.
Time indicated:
{"hour": 2, "minute": 27}
